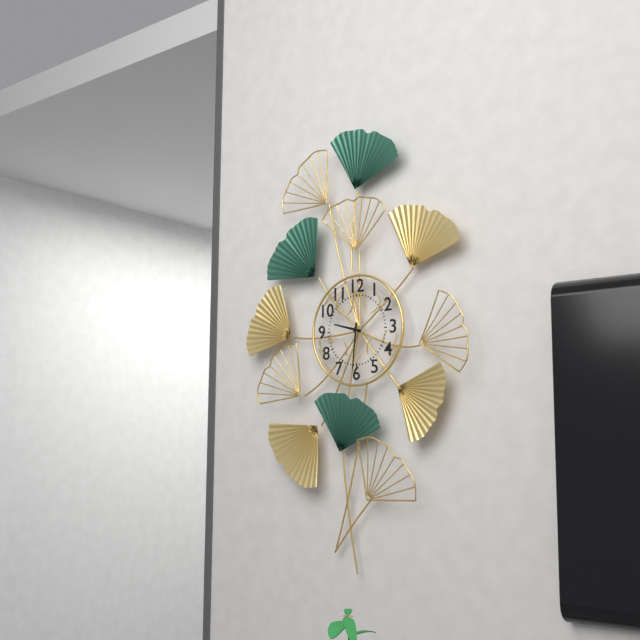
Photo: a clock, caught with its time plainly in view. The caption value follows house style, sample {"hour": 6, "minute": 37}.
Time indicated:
{"hour": 9, "minute": 31}
